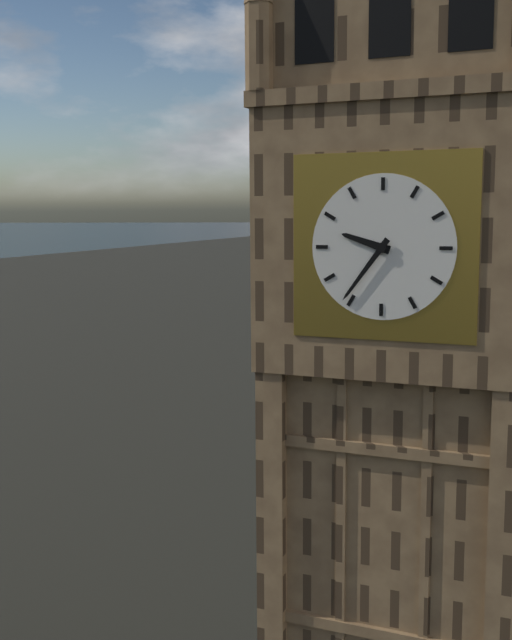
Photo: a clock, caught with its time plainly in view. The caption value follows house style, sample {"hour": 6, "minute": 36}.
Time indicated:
{"hour": 9, "minute": 36}
